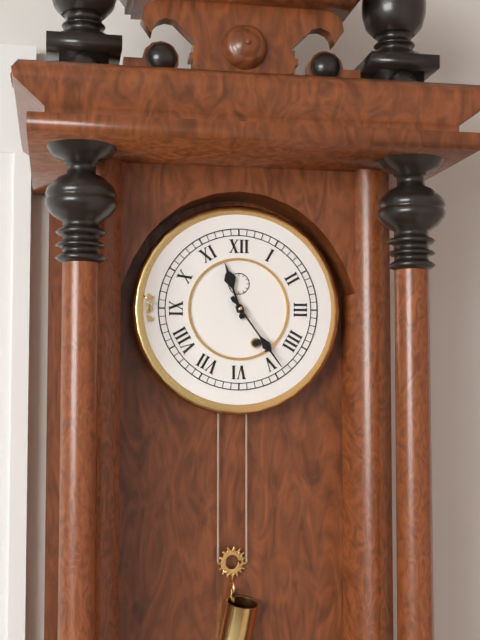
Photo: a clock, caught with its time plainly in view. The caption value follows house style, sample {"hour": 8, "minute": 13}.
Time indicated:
{"hour": 11, "minute": 24}
